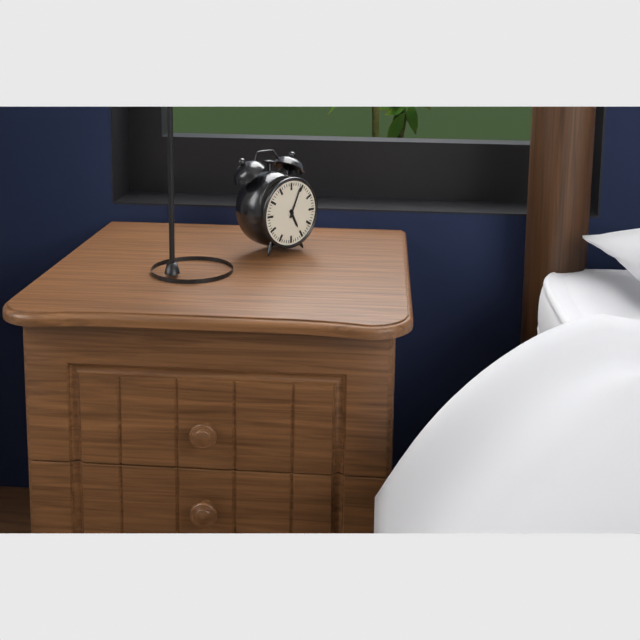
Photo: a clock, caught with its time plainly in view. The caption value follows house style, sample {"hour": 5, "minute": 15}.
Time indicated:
{"hour": 5, "minute": 4}
